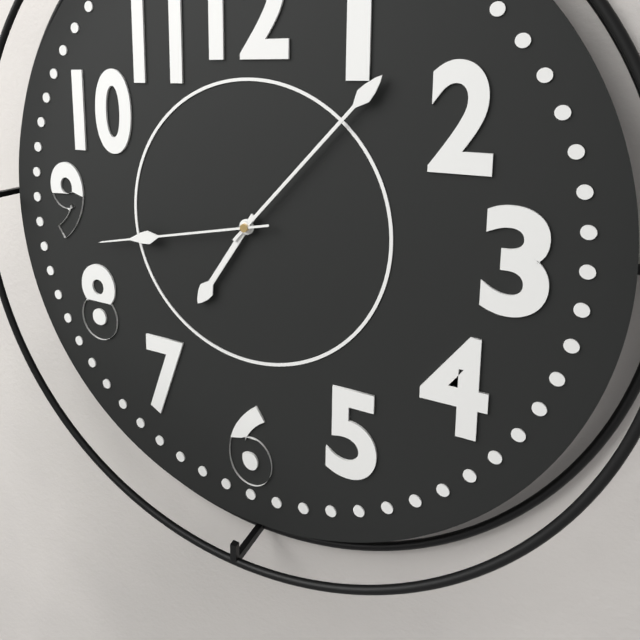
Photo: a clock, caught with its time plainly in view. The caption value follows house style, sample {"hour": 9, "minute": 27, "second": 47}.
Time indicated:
{"hour": 7, "minute": 7, "second": 43}
